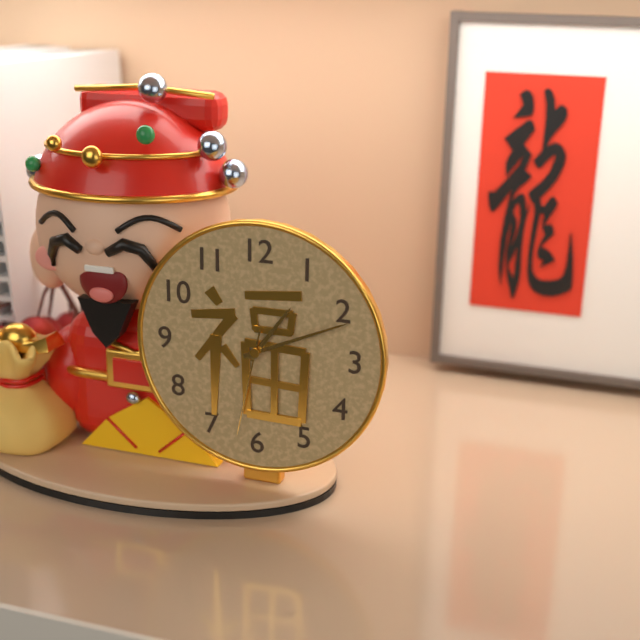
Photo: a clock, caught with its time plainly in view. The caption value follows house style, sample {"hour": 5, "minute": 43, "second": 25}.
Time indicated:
{"hour": 1, "minute": 11, "second": 32}
